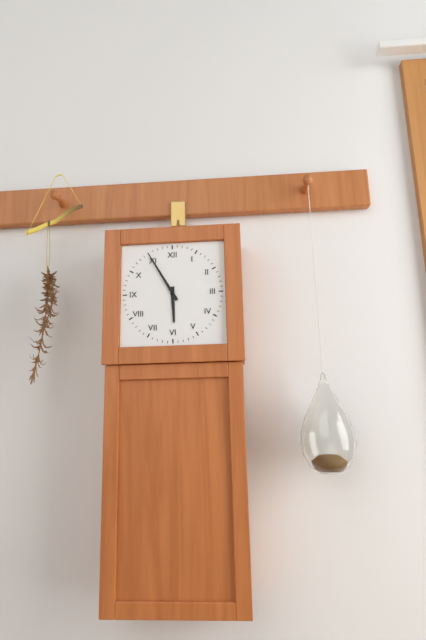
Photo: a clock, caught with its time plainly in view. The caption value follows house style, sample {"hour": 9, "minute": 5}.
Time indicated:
{"hour": 5, "minute": 55}
